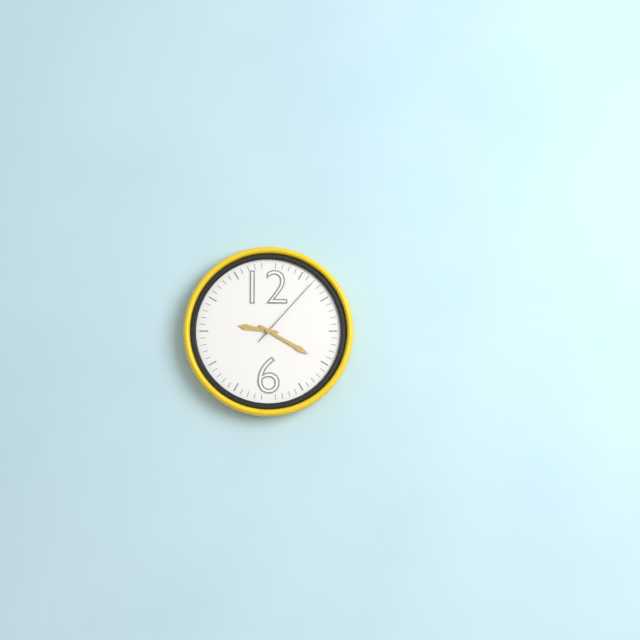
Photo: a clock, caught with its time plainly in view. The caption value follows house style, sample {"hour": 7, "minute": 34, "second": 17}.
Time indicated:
{"hour": 9, "minute": 20, "second": 7}
